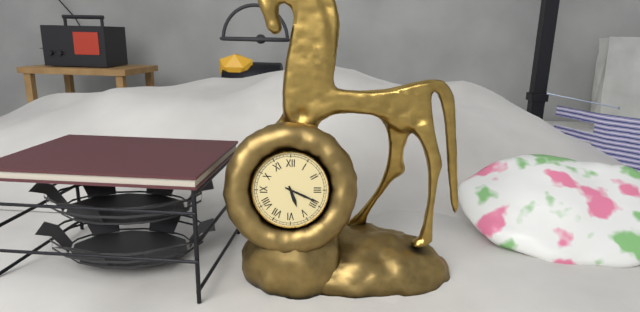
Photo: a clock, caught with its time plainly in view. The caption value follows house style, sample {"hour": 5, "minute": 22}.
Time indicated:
{"hour": 5, "minute": 19}
